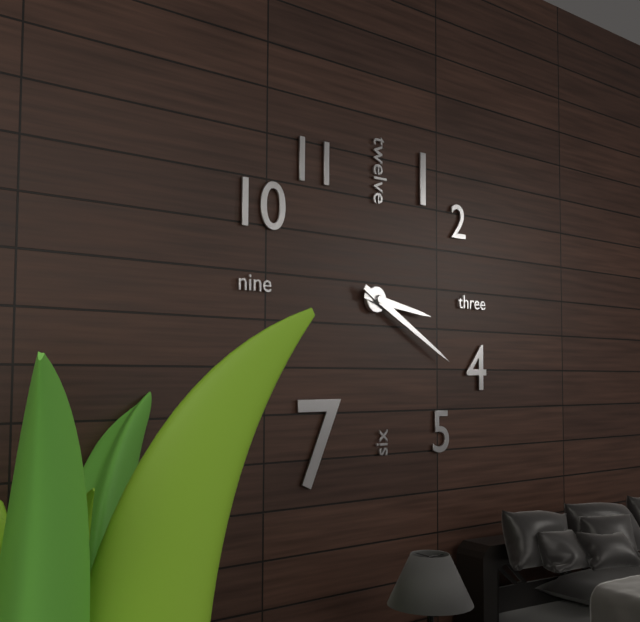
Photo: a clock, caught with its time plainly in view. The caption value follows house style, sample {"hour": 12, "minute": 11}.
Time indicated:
{"hour": 3, "minute": 20}
